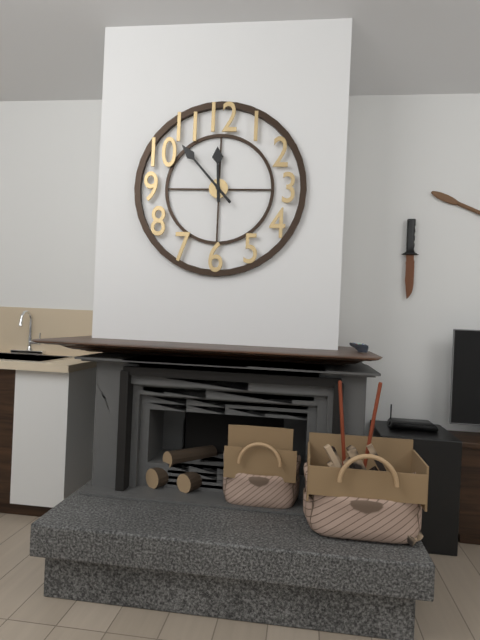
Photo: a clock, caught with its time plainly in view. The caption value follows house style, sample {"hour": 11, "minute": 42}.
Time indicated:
{"hour": 11, "minute": 53}
